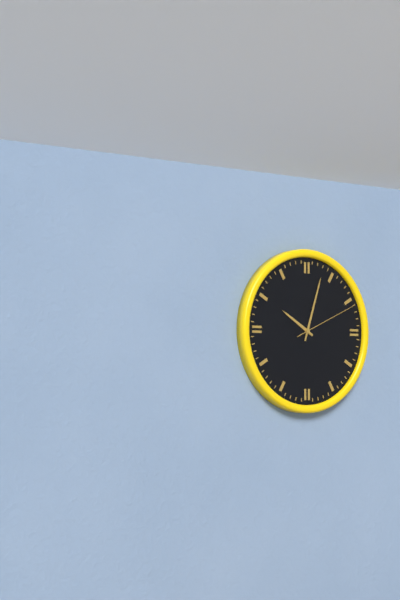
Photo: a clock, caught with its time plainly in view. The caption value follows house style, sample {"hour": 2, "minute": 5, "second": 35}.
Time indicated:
{"hour": 10, "minute": 3, "second": 11}
